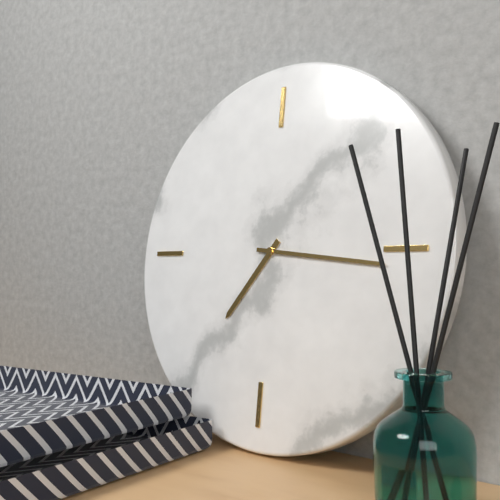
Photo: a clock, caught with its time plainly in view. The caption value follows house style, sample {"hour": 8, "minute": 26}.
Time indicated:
{"hour": 7, "minute": 16}
